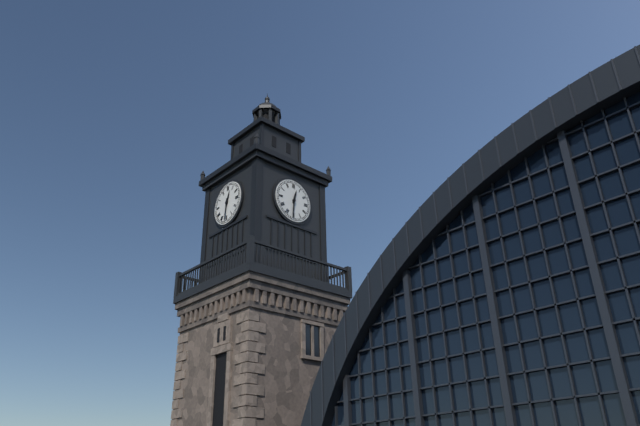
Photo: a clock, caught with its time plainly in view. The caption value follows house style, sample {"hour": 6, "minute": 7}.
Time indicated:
{"hour": 12, "minute": 31}
